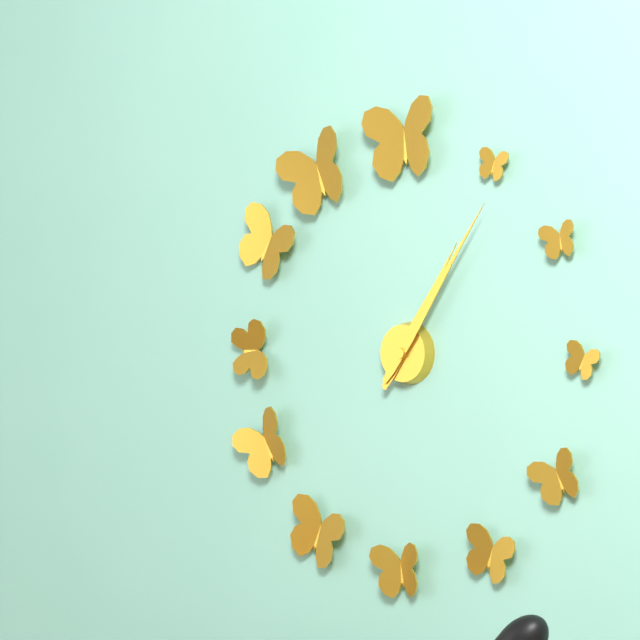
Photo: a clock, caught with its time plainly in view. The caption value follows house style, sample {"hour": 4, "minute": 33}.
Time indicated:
{"hour": 1, "minute": 6}
